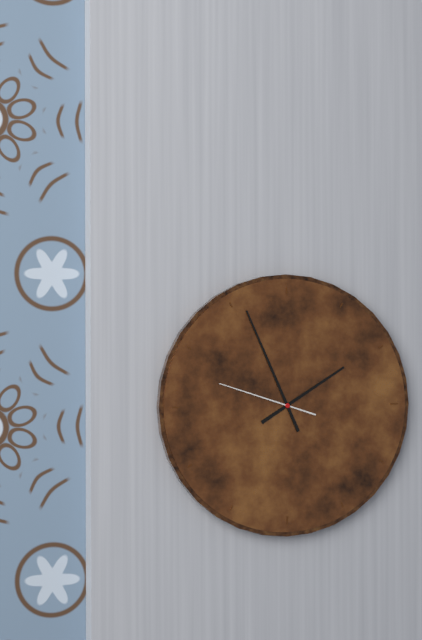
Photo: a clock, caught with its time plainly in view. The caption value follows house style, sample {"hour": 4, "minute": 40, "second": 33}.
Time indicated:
{"hour": 1, "minute": 56, "second": 48}
